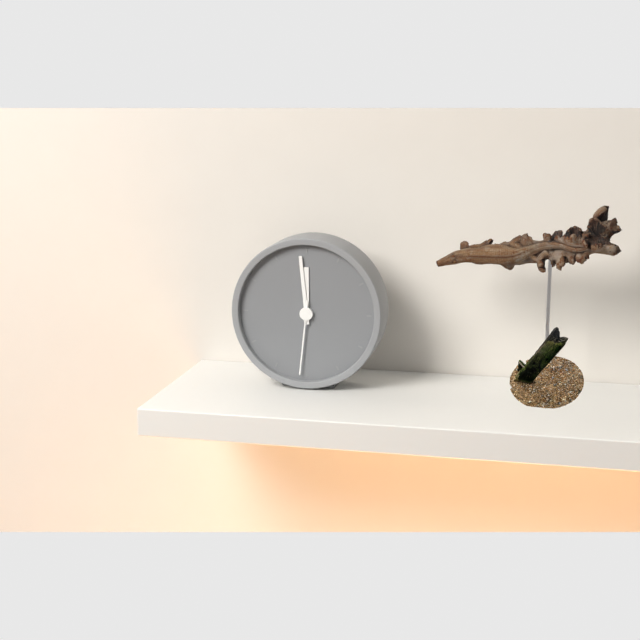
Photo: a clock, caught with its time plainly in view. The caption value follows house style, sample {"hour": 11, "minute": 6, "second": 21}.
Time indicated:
{"hour": 11, "minute": 59, "second": 31}
